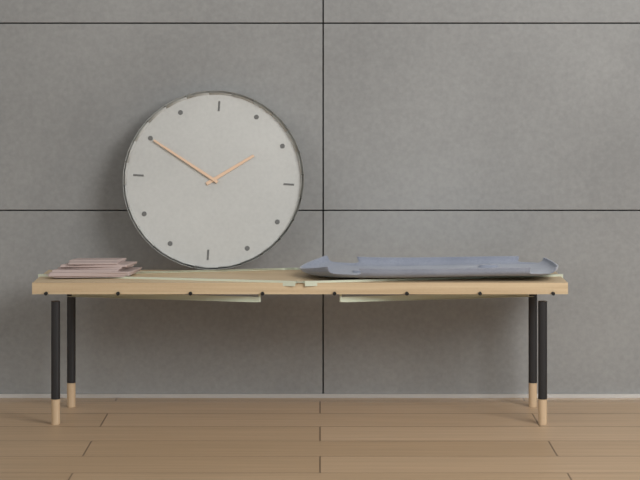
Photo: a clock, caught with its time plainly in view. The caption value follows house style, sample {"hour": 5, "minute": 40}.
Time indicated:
{"hour": 1, "minute": 50}
